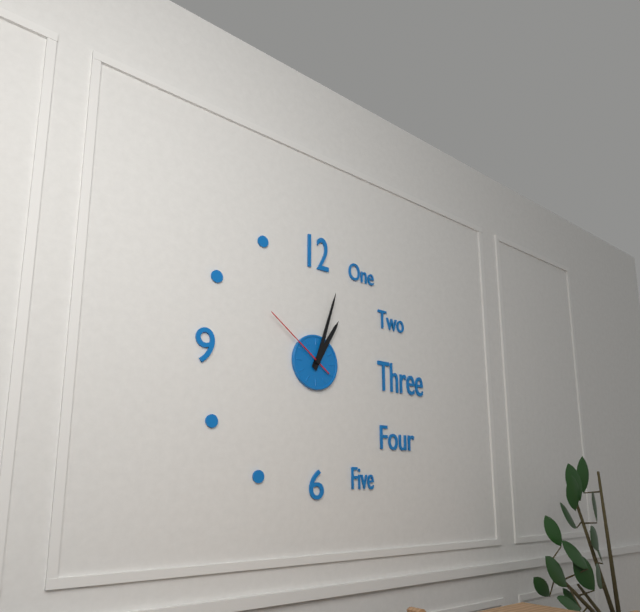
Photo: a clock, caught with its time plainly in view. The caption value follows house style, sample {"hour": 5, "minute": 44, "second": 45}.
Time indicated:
{"hour": 1, "minute": 3, "second": 51}
